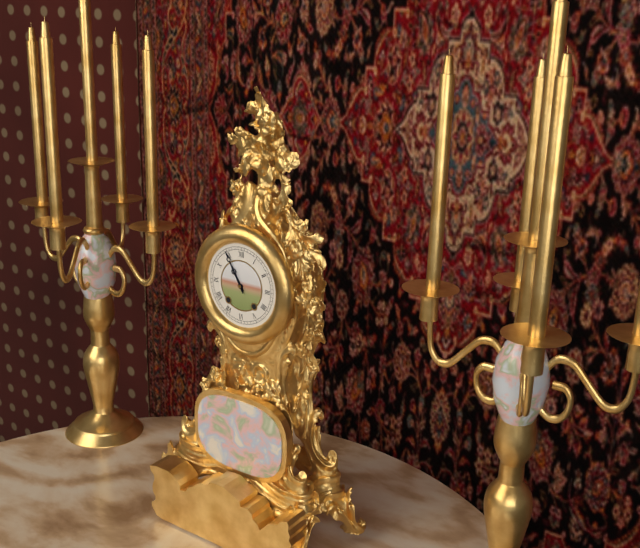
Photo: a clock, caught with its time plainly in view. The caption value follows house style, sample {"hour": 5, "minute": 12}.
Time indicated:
{"hour": 10, "minute": 55}
